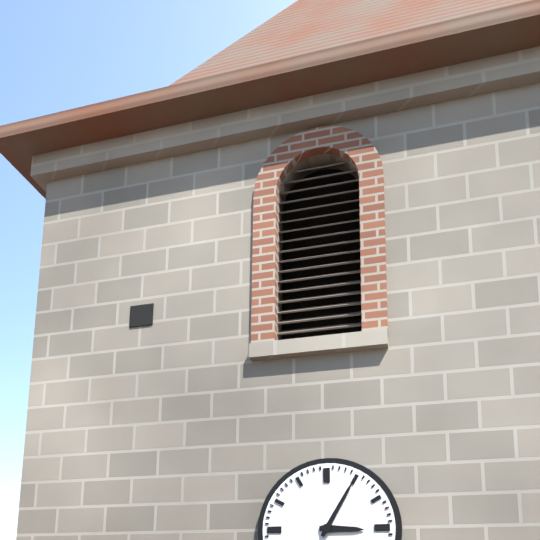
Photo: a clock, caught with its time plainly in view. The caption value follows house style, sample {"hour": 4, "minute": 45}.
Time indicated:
{"hour": 3, "minute": 5}
